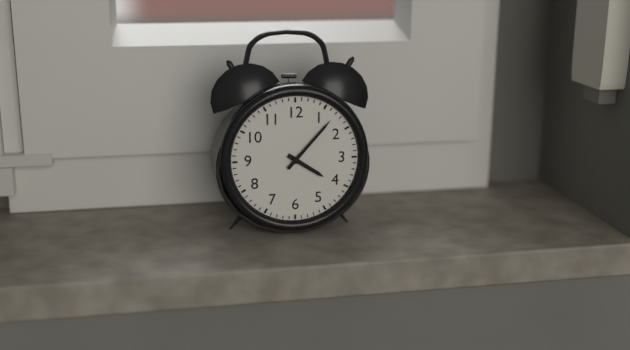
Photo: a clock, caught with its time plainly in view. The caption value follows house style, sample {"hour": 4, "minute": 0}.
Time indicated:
{"hour": 4, "minute": 7}
